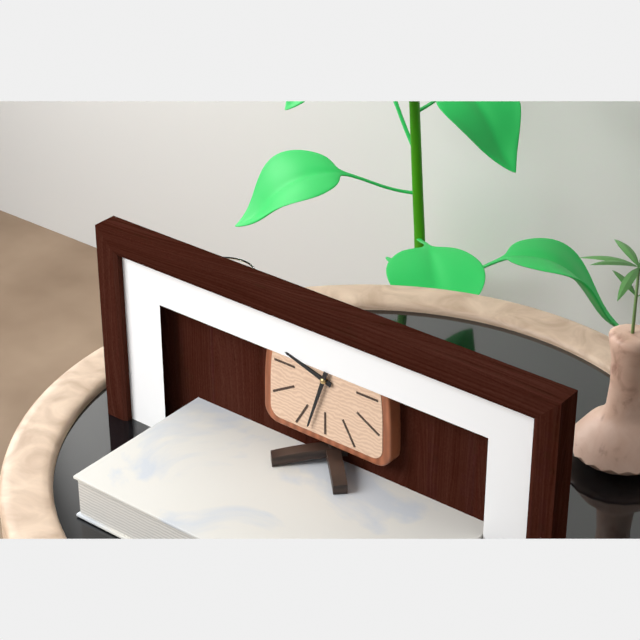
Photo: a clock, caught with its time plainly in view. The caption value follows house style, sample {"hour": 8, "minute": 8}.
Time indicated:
{"hour": 9, "minute": 33}
